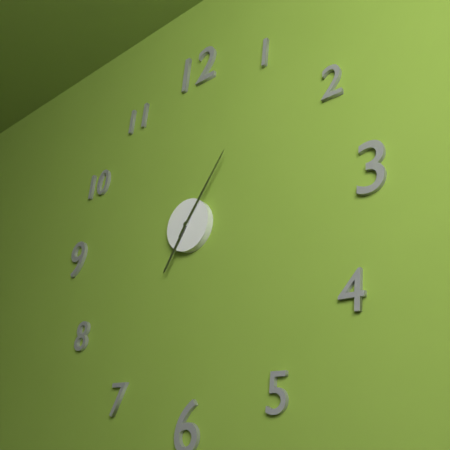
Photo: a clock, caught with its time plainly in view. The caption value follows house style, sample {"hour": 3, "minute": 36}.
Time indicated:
{"hour": 7, "minute": 6}
